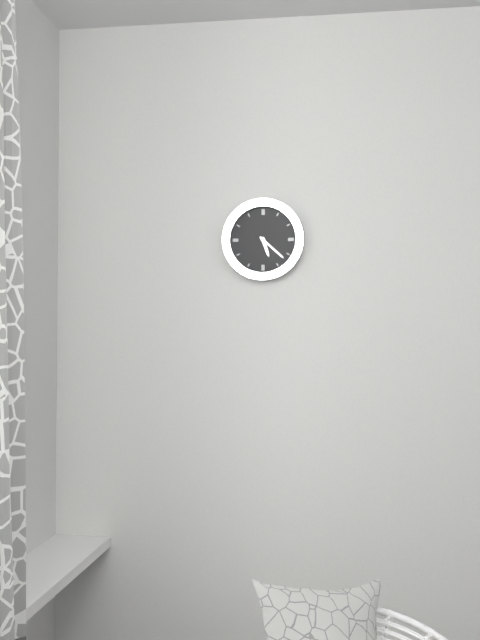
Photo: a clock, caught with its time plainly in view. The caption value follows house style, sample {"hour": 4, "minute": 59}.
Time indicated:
{"hour": 5, "minute": 22}
